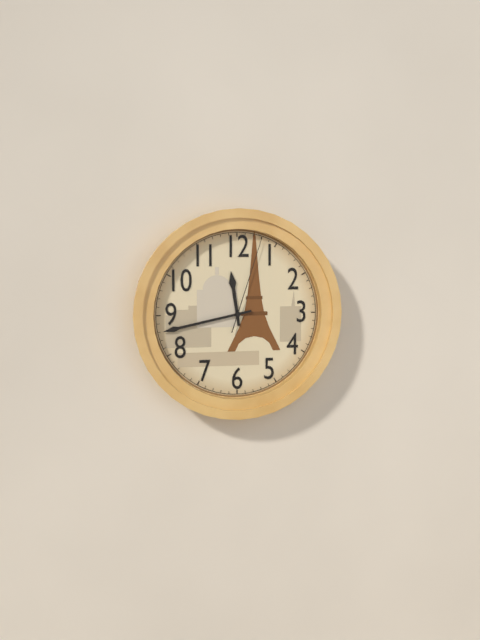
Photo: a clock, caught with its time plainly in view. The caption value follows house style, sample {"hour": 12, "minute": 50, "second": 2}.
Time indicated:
{"hour": 11, "minute": 43, "second": 3}
